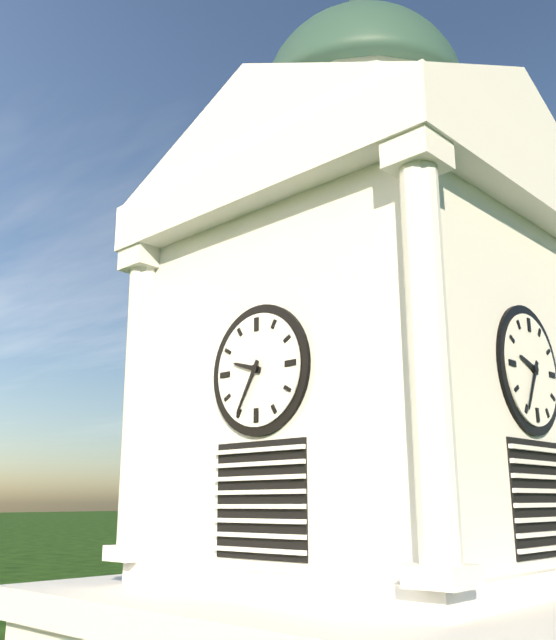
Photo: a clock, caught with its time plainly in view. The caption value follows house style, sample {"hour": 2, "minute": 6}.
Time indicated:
{"hour": 9, "minute": 35}
